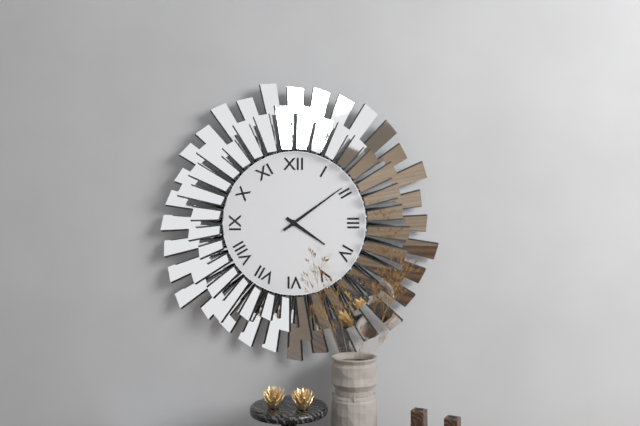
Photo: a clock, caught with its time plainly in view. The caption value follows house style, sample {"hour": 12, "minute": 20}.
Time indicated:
{"hour": 4, "minute": 9}
